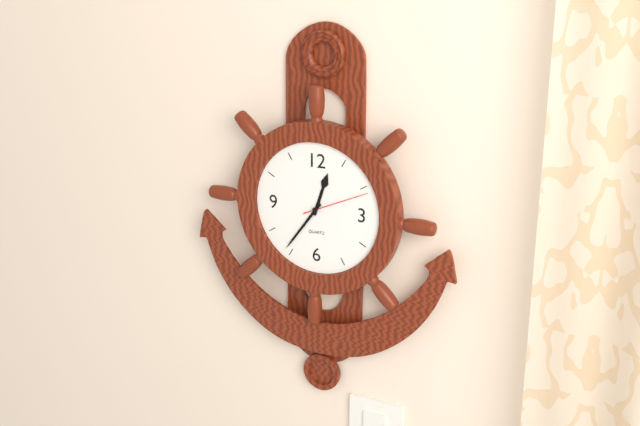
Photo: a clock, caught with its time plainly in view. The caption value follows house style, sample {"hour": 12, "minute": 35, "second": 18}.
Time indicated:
{"hour": 12, "minute": 36, "second": 11}
